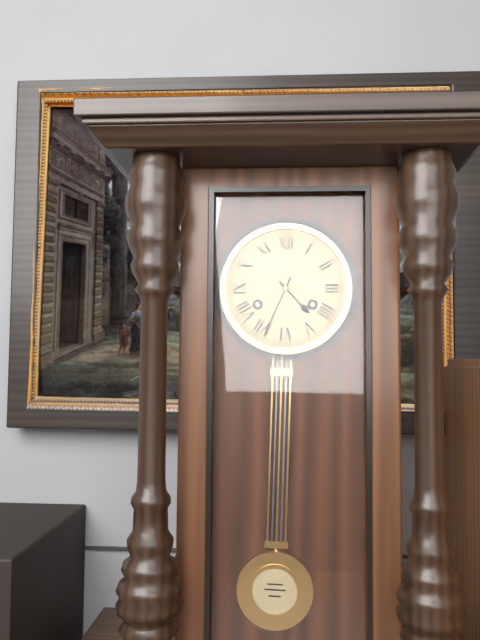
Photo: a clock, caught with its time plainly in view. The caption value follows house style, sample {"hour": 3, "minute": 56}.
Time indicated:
{"hour": 4, "minute": 34}
